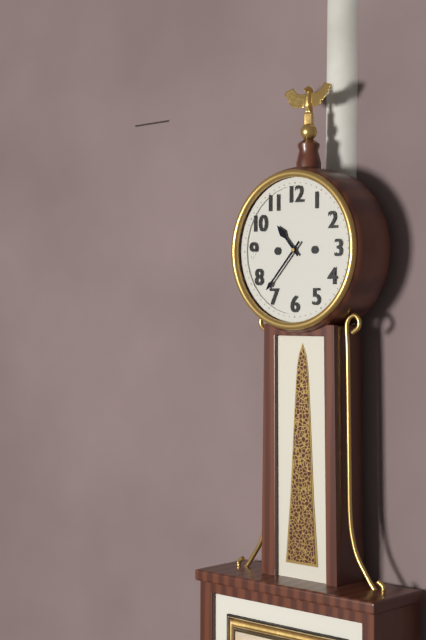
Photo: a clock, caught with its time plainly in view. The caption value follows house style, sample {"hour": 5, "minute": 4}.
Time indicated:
{"hour": 10, "minute": 37}
